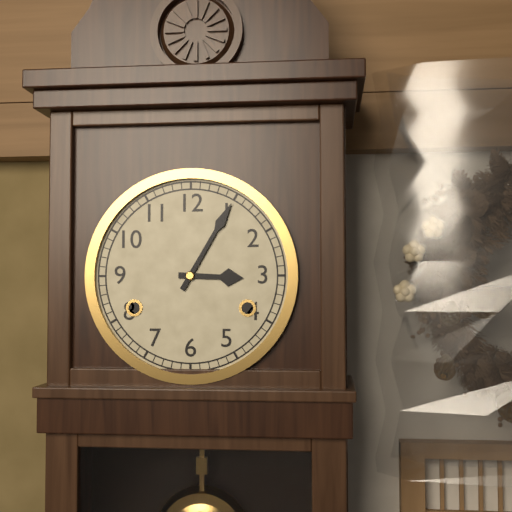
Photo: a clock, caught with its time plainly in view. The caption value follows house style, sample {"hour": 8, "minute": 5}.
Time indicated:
{"hour": 3, "minute": 5}
